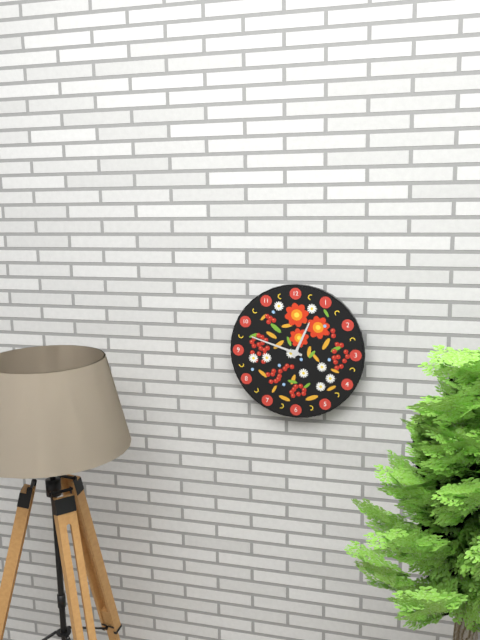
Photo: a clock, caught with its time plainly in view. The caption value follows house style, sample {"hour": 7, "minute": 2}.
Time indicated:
{"hour": 12, "minute": 48}
